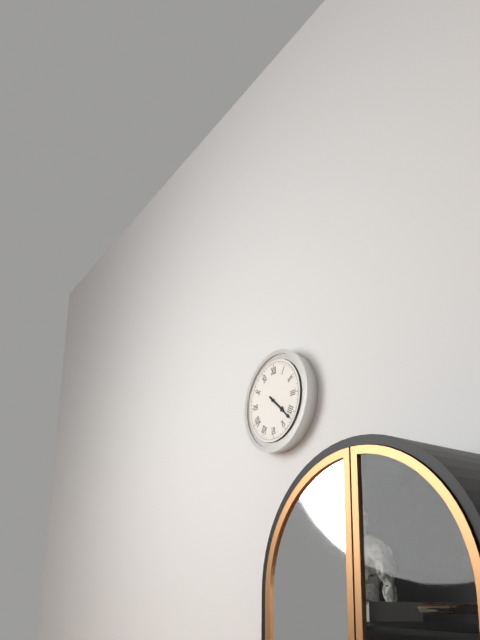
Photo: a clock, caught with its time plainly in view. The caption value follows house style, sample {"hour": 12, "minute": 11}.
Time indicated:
{"hour": 4, "minute": 22}
